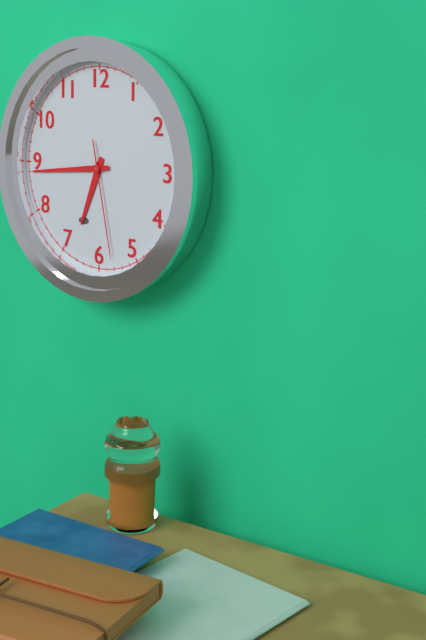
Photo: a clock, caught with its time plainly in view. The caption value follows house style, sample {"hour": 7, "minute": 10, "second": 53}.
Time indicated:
{"hour": 6, "minute": 44, "second": 28}
